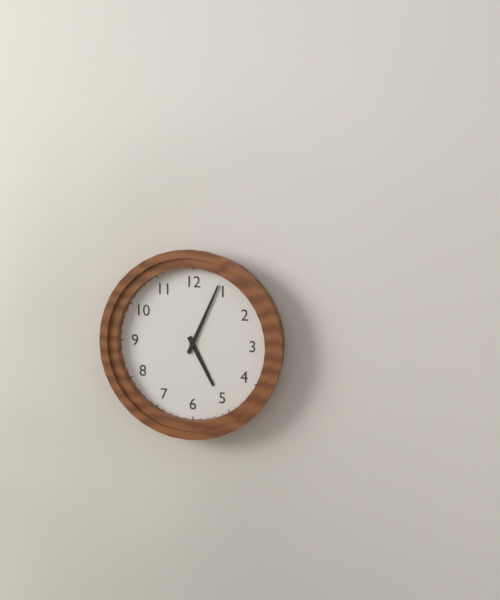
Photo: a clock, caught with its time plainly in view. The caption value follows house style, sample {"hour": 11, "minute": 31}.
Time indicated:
{"hour": 5, "minute": 4}
